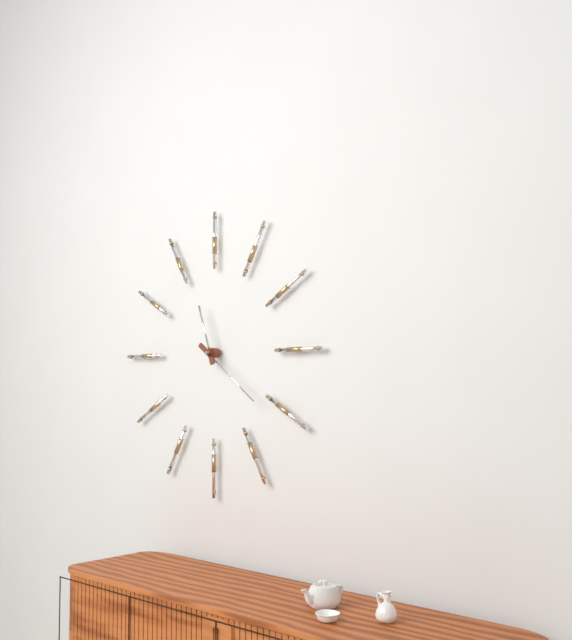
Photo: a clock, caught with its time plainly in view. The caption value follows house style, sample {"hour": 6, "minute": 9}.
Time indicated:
{"hour": 11, "minute": 21}
